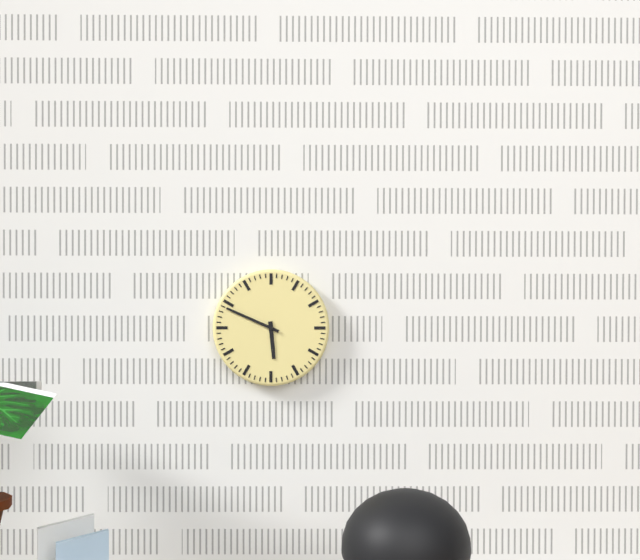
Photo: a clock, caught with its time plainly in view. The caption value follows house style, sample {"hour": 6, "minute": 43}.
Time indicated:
{"hour": 5, "minute": 49}
